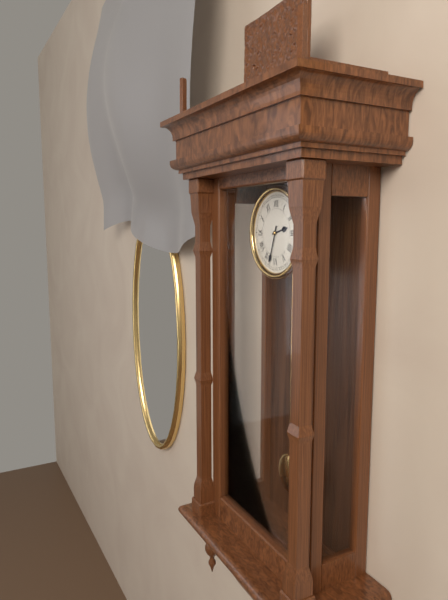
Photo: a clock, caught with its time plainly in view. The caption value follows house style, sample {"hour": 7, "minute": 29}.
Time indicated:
{"hour": 2, "minute": 33}
